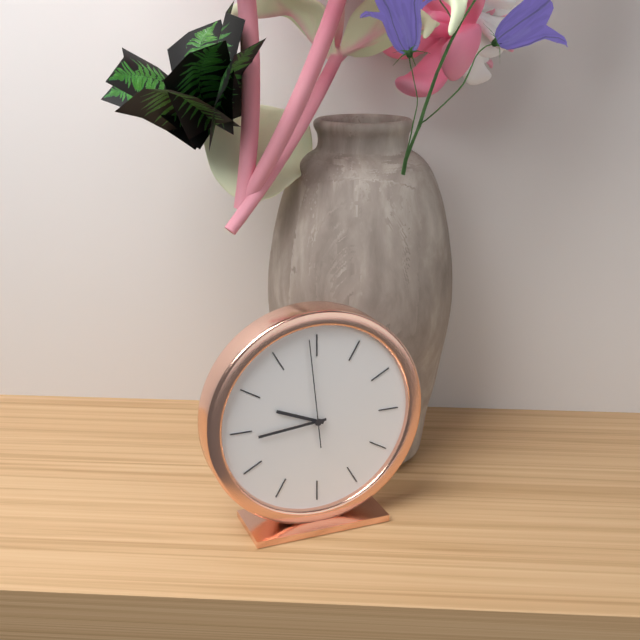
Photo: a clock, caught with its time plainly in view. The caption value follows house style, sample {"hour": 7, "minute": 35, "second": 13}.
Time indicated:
{"hour": 9, "minute": 44, "second": 59}
